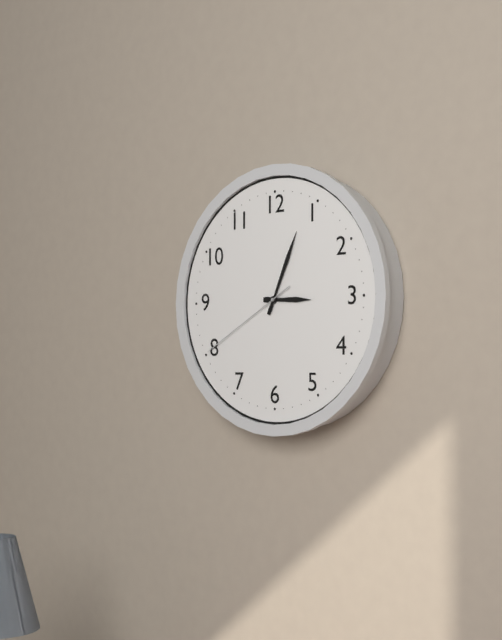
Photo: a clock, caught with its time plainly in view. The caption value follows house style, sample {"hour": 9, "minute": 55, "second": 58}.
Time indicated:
{"hour": 3, "minute": 4, "second": 40}
